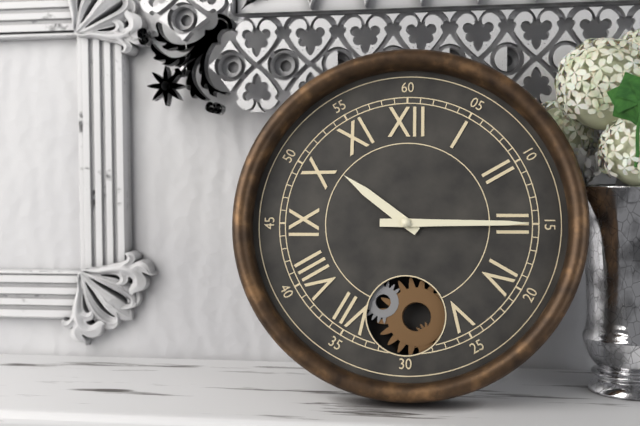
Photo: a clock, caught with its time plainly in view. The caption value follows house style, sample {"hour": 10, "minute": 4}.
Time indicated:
{"hour": 10, "minute": 15}
